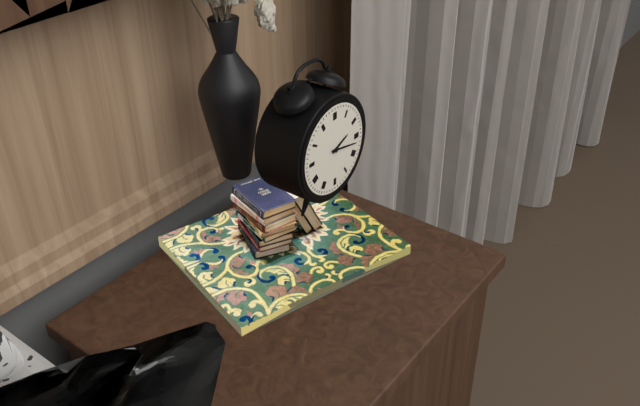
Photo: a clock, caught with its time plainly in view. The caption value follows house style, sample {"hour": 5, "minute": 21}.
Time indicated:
{"hour": 2, "minute": 17}
